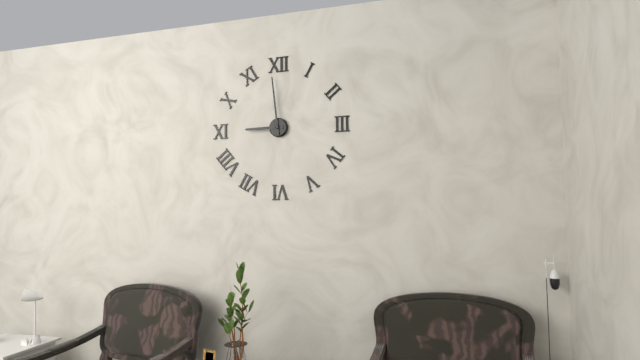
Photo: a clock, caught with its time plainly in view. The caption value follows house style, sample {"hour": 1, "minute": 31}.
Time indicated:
{"hour": 8, "minute": 59}
